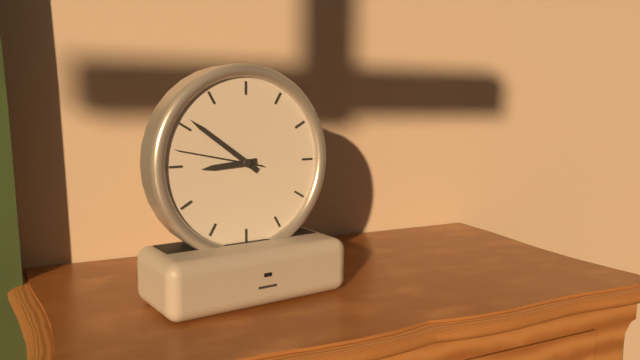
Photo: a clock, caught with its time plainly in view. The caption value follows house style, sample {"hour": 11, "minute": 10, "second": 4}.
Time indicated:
{"hour": 8, "minute": 51, "second": 47}
